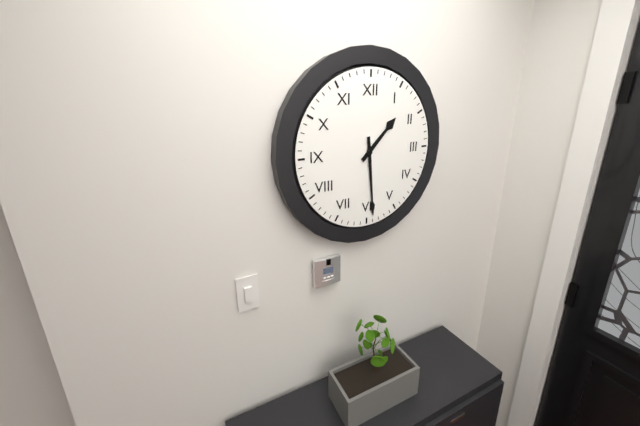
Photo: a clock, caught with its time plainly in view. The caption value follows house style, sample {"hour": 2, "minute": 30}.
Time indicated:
{"hour": 1, "minute": 29}
